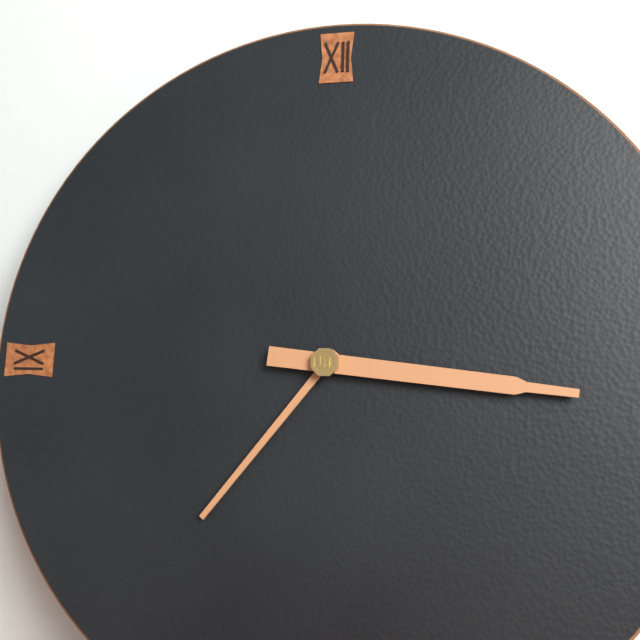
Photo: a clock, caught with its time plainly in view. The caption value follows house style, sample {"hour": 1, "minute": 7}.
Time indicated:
{"hour": 7, "minute": 16}
